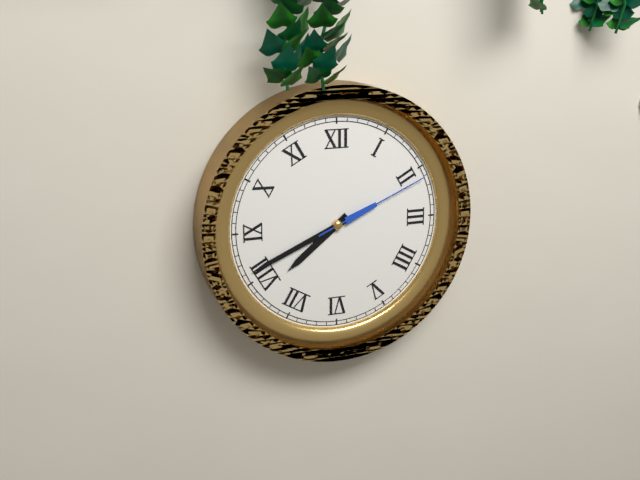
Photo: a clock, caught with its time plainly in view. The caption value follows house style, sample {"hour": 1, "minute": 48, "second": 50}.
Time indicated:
{"hour": 7, "minute": 41, "second": 11}
